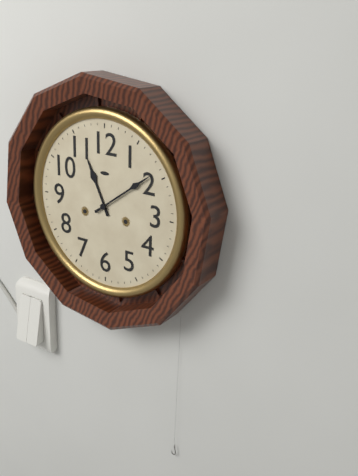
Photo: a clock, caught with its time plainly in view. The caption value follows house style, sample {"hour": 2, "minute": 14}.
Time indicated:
{"hour": 11, "minute": 9}
